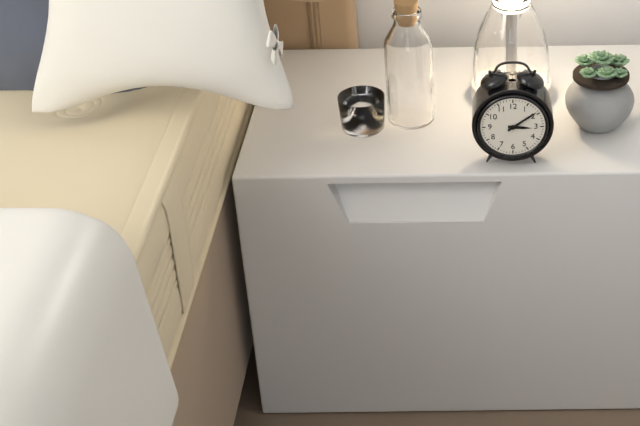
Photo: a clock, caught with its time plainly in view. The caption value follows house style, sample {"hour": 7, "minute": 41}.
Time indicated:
{"hour": 3, "minute": 9}
